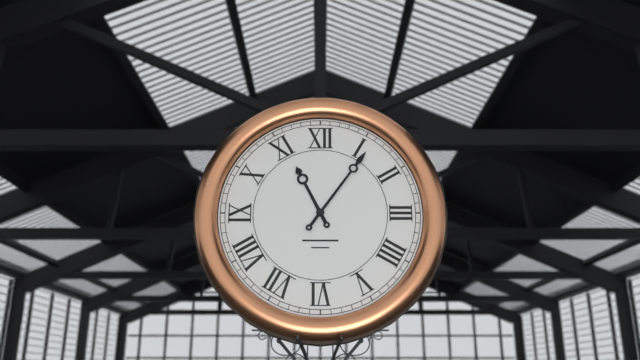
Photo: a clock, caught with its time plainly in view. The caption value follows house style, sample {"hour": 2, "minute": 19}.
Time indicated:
{"hour": 11, "minute": 6}
